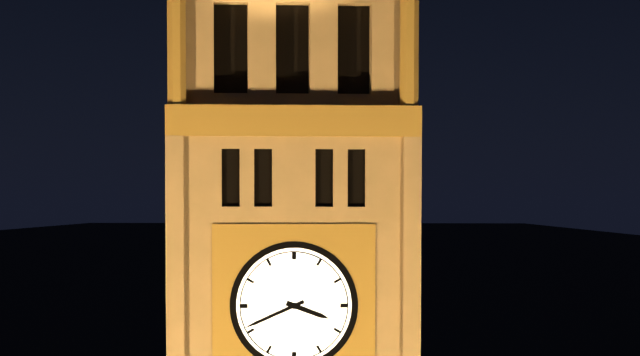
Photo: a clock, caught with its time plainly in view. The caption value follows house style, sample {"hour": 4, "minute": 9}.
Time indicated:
{"hour": 3, "minute": 41}
